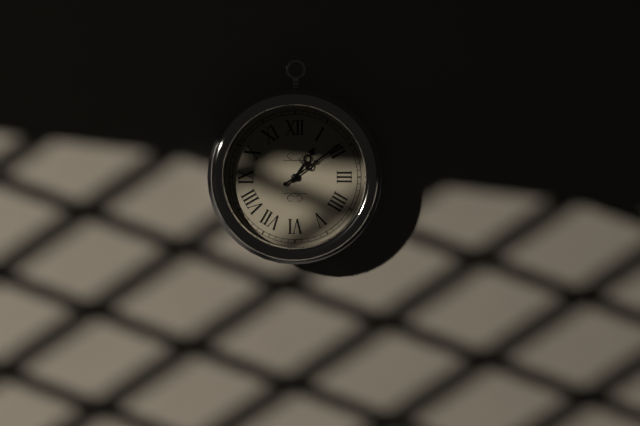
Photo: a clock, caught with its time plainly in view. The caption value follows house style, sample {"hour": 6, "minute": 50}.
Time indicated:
{"hour": 1, "minute": 9}
